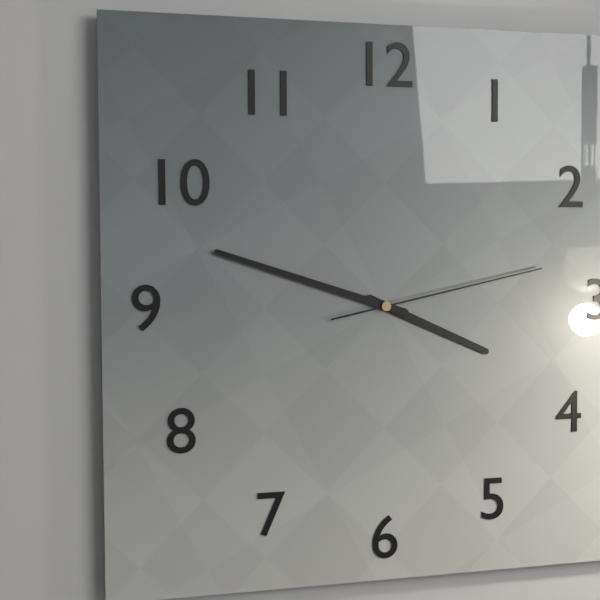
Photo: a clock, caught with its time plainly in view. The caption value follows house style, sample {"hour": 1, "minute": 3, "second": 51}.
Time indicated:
{"hour": 3, "minute": 48, "second": 13}
